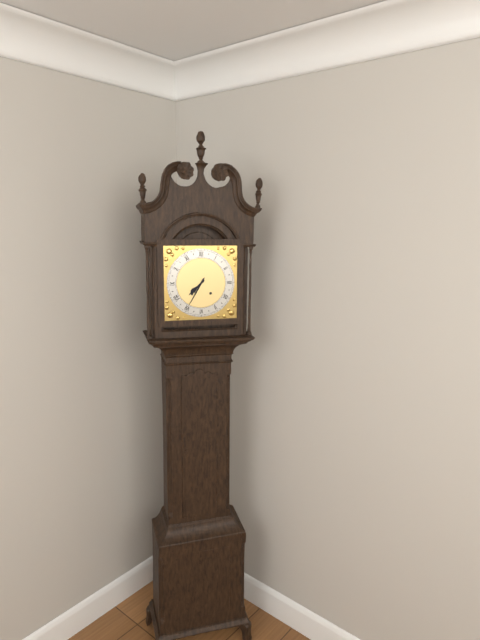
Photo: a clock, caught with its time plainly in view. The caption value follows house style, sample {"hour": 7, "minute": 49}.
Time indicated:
{"hour": 7, "minute": 35}
